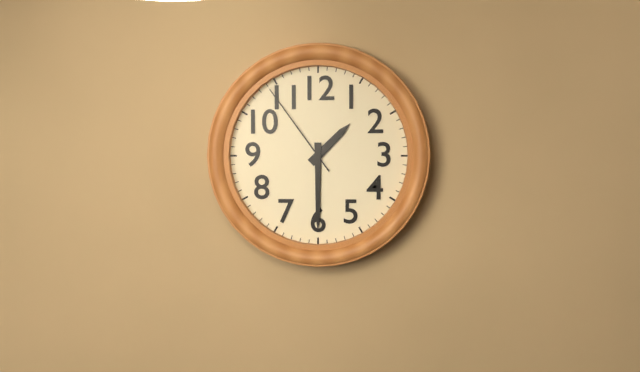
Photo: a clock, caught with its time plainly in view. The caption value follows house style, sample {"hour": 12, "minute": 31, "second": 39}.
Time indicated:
{"hour": 1, "minute": 30, "second": 54}
